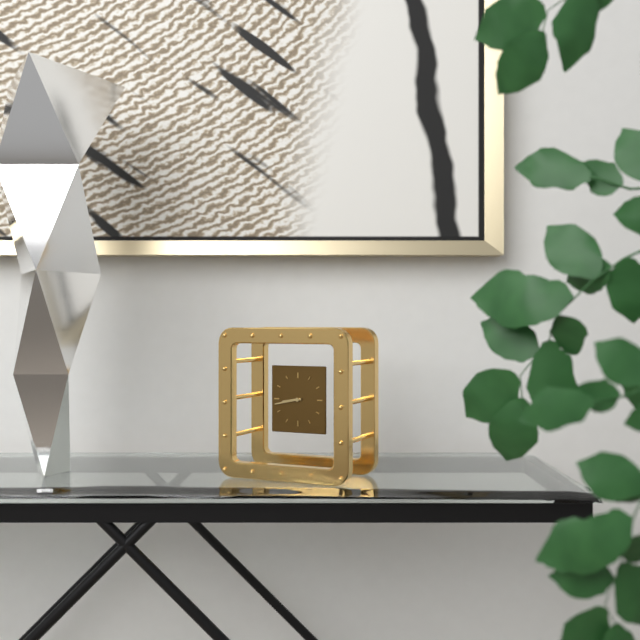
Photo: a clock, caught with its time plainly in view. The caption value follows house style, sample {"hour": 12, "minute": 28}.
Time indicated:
{"hour": 8, "minute": 43}
